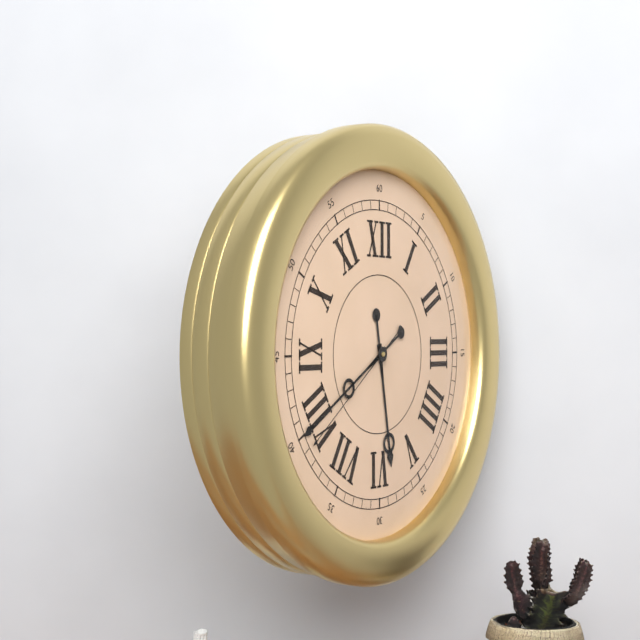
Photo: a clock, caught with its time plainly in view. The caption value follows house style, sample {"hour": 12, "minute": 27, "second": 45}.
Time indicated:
{"hour": 5, "minute": 40, "second": 39}
